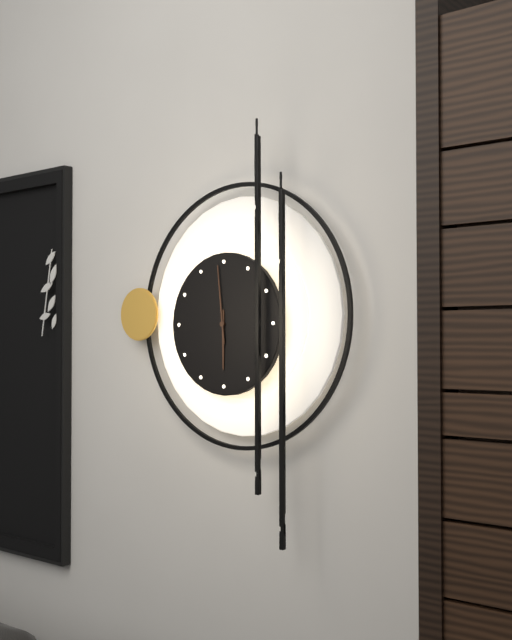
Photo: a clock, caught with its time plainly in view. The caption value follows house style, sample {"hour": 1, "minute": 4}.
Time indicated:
{"hour": 5, "minute": 59}
